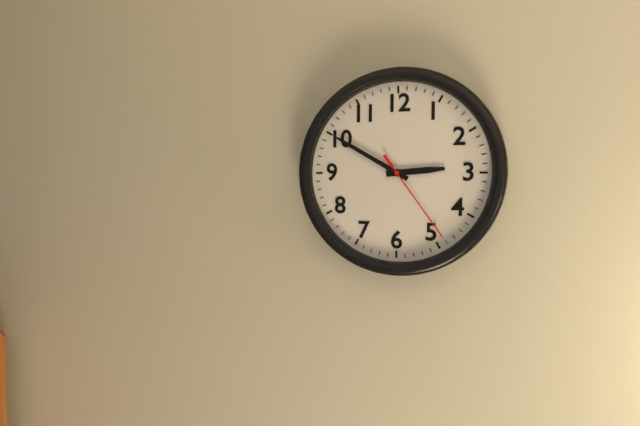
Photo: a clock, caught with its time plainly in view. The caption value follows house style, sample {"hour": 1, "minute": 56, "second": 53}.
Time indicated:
{"hour": 2, "minute": 50, "second": 24}
